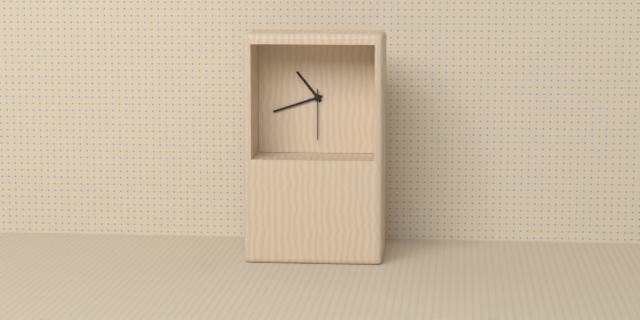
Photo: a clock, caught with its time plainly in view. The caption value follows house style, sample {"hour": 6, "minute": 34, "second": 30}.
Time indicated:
{"hour": 10, "minute": 42, "second": 30}
